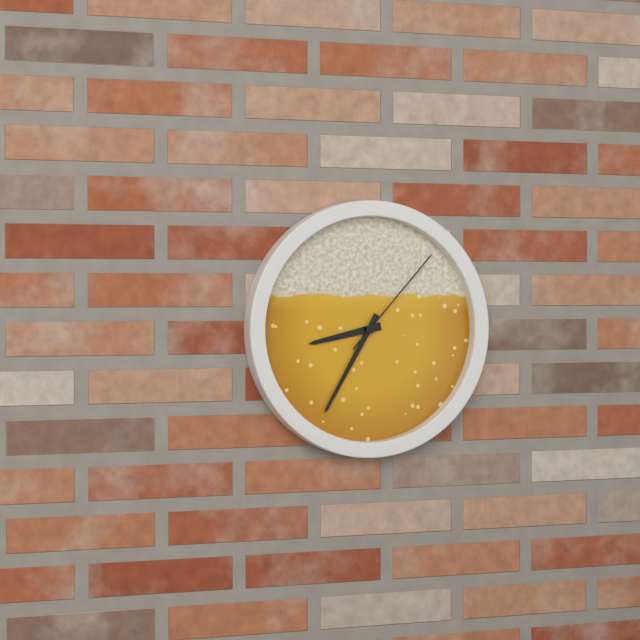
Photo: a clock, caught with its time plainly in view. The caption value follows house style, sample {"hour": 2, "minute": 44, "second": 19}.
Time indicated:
{"hour": 8, "minute": 35, "second": 7}
